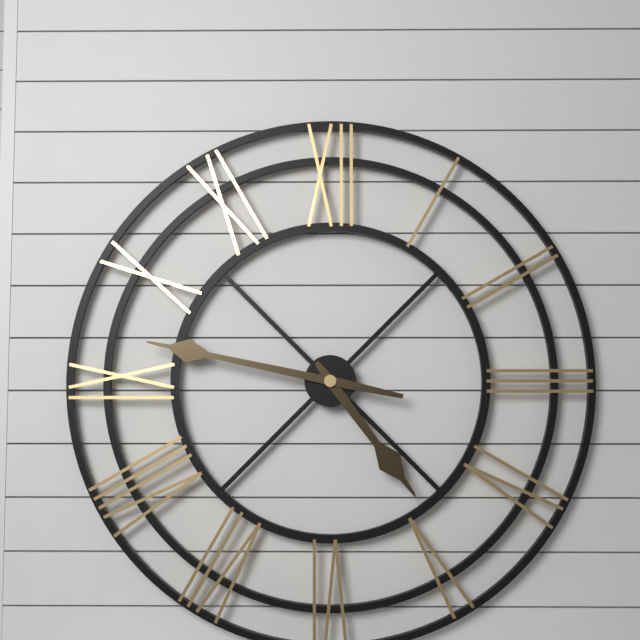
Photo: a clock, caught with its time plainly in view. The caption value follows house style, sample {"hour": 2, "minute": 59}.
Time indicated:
{"hour": 4, "minute": 47}
